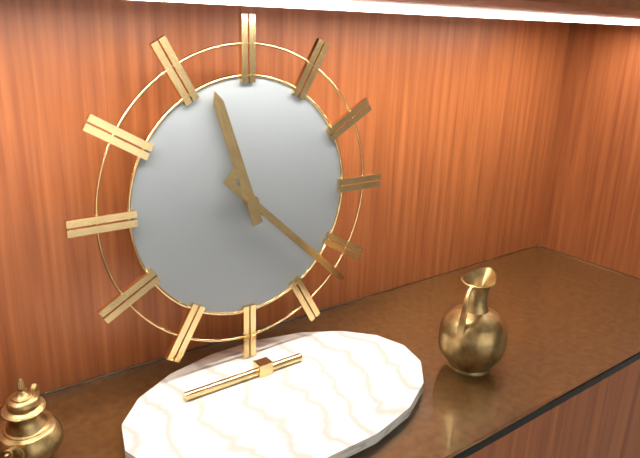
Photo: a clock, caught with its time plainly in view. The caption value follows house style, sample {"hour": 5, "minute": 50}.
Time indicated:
{"hour": 11, "minute": 22}
